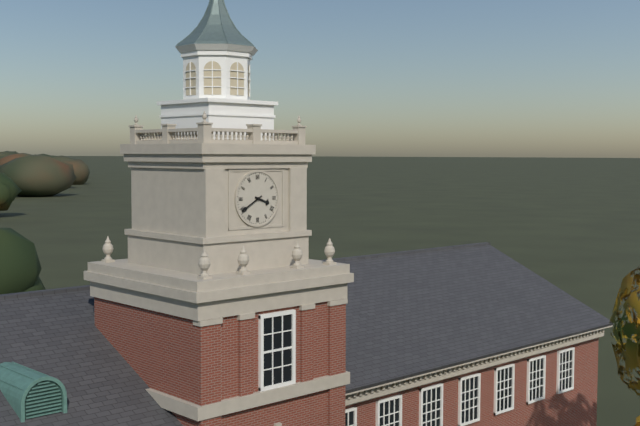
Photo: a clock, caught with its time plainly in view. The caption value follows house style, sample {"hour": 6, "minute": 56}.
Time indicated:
{"hour": 3, "minute": 40}
